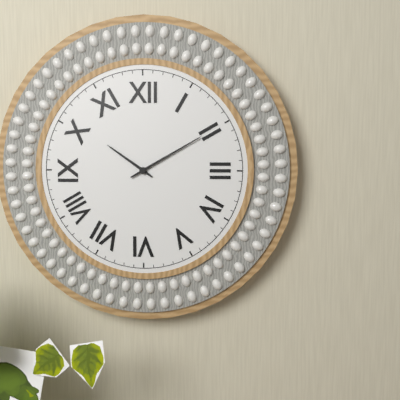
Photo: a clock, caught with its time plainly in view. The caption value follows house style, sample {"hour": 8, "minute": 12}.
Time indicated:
{"hour": 10, "minute": 10}
